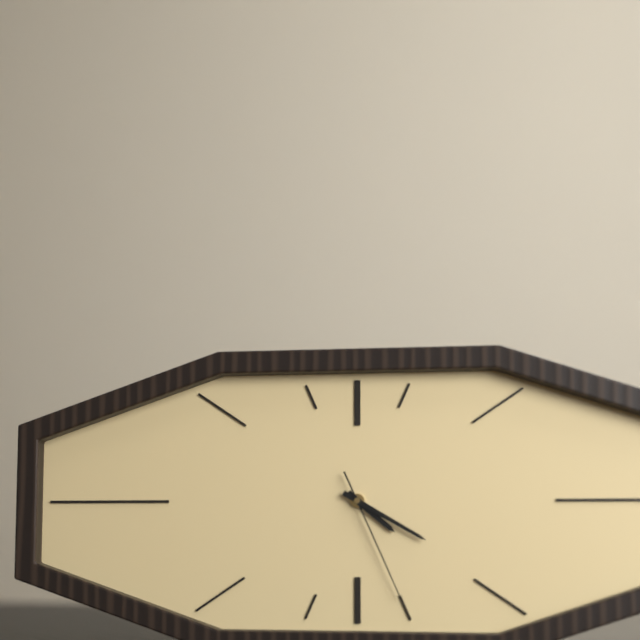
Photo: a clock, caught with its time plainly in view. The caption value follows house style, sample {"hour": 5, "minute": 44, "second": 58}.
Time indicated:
{"hour": 4, "minute": 20, "second": 26}
